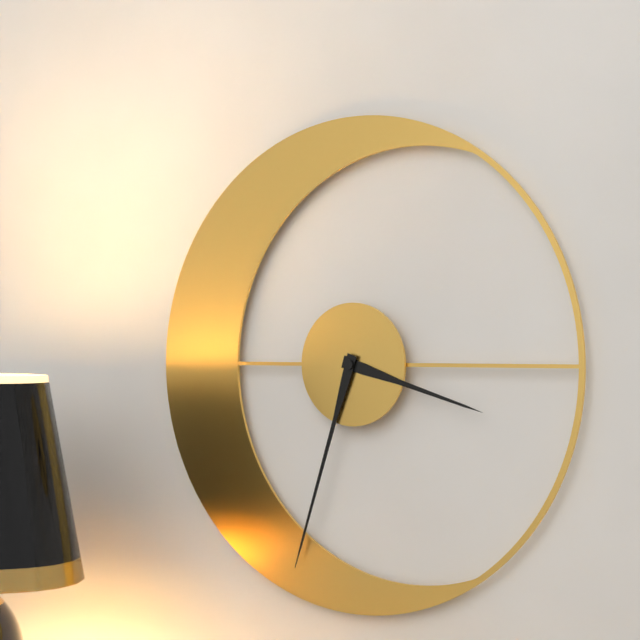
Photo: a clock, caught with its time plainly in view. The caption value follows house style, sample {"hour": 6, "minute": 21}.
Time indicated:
{"hour": 3, "minute": 33}
